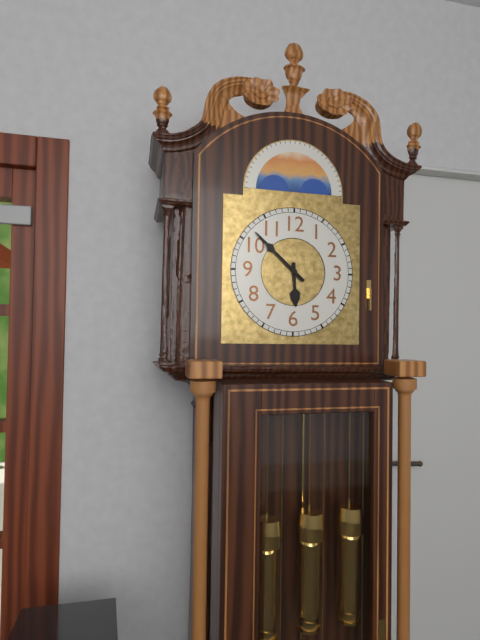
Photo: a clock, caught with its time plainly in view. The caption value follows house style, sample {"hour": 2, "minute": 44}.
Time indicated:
{"hour": 5, "minute": 52}
